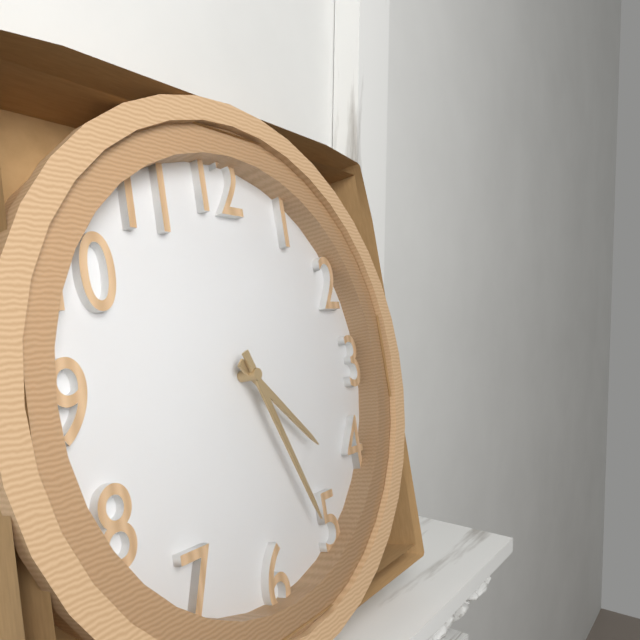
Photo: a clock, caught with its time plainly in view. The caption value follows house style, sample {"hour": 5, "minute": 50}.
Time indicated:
{"hour": 4, "minute": 26}
